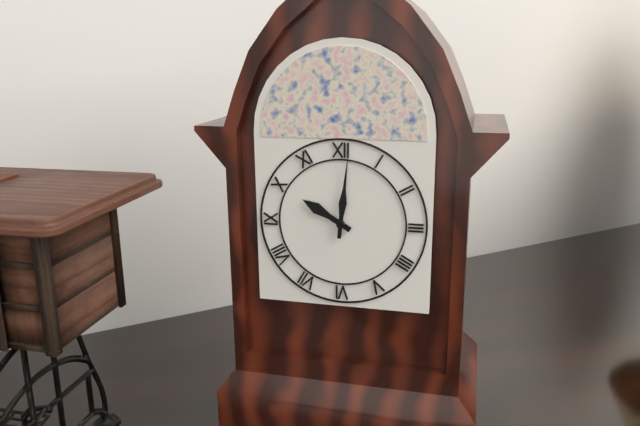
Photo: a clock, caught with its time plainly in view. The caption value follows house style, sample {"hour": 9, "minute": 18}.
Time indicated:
{"hour": 10, "minute": 1}
